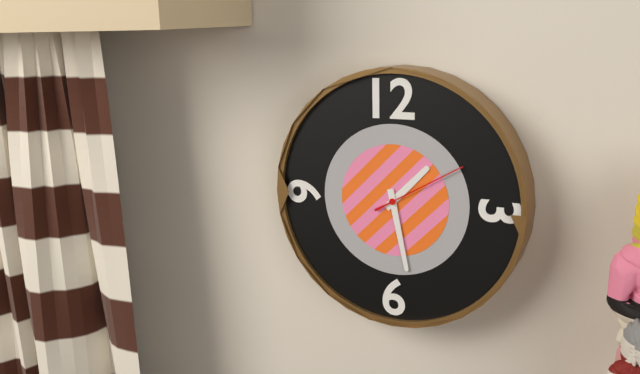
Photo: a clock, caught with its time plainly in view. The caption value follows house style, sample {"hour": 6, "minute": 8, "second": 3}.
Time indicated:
{"hour": 1, "minute": 28, "second": 10}
